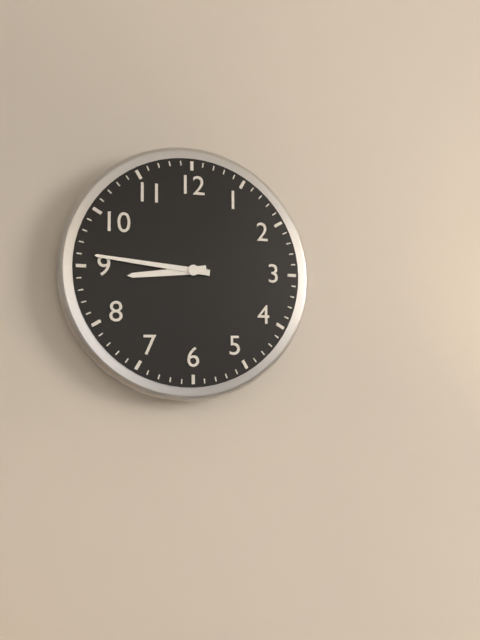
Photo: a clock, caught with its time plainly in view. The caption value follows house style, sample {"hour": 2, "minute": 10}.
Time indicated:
{"hour": 8, "minute": 46}
